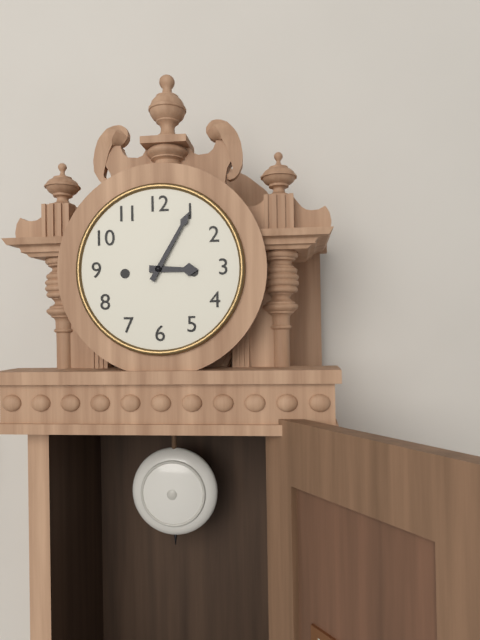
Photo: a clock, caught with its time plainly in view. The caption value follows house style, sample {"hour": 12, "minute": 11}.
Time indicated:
{"hour": 3, "minute": 5}
